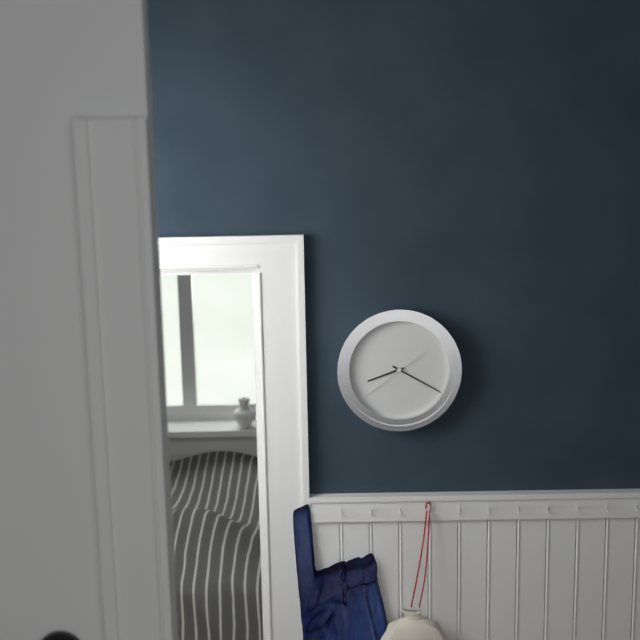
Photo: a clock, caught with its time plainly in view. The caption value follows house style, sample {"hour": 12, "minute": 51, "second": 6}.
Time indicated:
{"hour": 8, "minute": 20, "second": 39}
